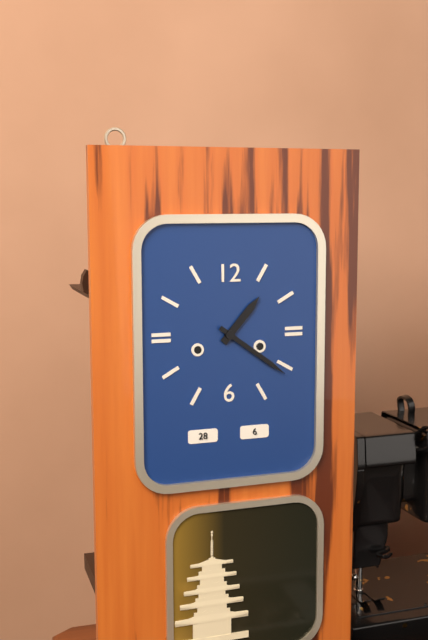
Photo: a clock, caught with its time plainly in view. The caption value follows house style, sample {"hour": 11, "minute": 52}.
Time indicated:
{"hour": 1, "minute": 21}
